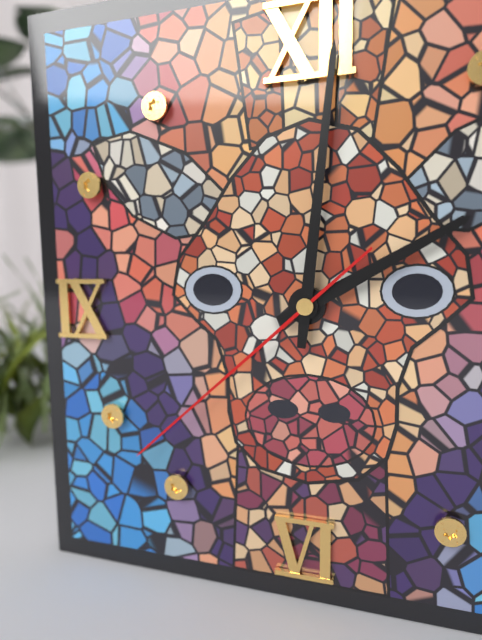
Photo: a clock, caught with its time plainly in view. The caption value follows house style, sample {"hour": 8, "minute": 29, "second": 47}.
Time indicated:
{"hour": 2, "minute": 1, "second": 38}
